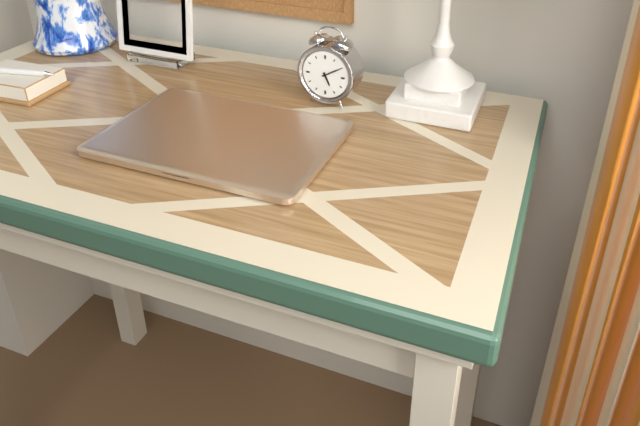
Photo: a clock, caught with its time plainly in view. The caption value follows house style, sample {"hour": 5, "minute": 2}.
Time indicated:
{"hour": 5, "minute": 10}
